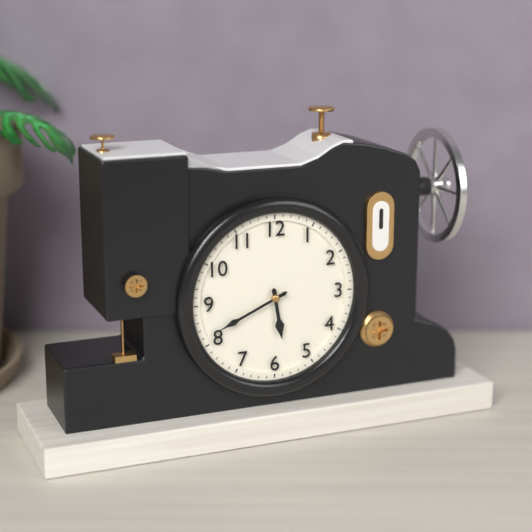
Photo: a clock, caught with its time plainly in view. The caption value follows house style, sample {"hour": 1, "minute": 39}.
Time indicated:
{"hour": 5, "minute": 41}
